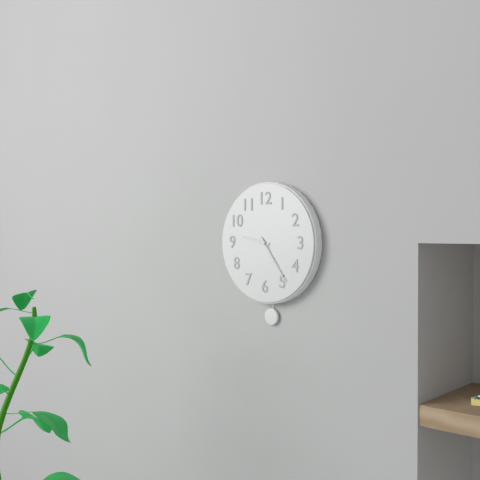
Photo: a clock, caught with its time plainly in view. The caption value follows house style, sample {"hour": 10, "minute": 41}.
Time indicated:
{"hour": 9, "minute": 24}
